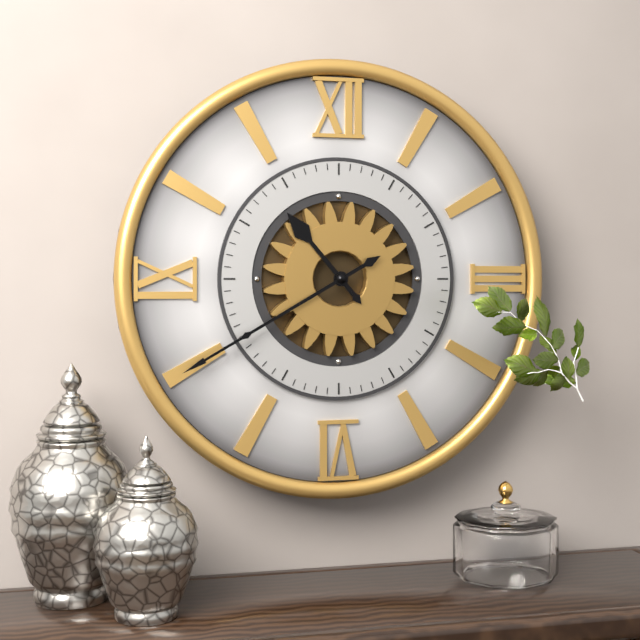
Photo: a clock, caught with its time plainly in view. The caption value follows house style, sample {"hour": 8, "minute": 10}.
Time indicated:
{"hour": 10, "minute": 40}
